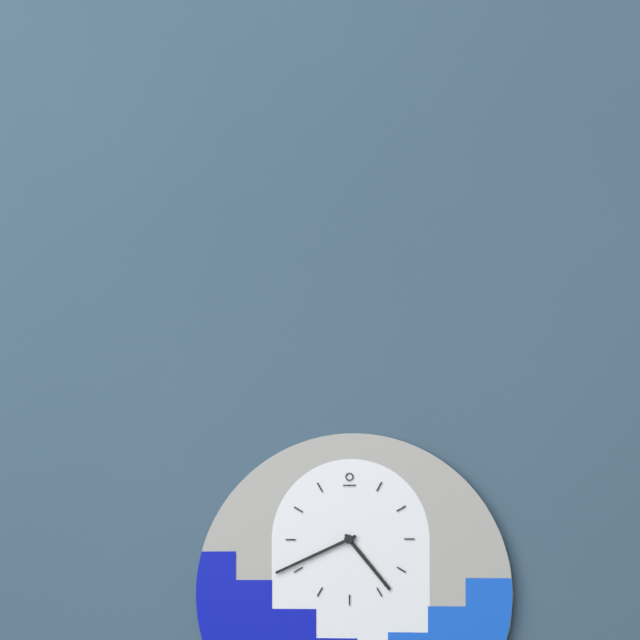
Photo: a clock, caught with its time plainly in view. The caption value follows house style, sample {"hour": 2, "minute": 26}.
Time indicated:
{"hour": 4, "minute": 41}
